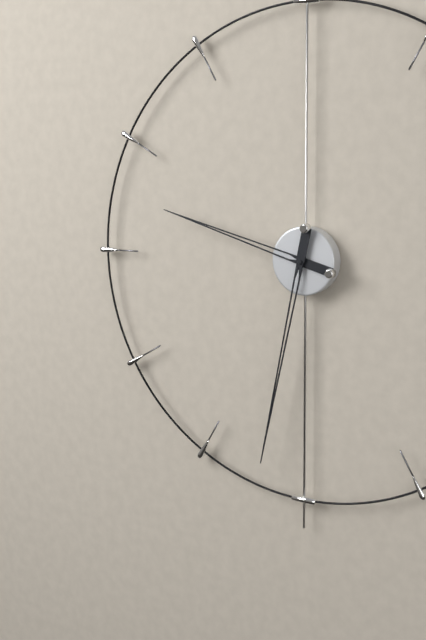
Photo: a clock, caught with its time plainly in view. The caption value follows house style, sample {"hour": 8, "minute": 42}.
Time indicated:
{"hour": 9, "minute": 32}
